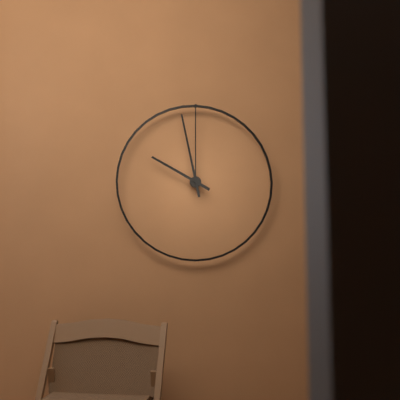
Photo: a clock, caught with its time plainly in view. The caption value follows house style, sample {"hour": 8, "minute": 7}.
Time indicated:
{"hour": 9, "minute": 58}
